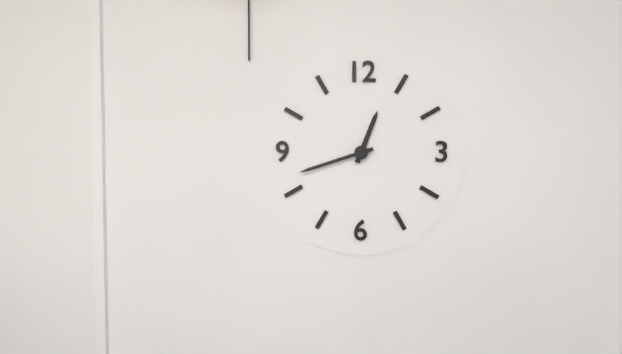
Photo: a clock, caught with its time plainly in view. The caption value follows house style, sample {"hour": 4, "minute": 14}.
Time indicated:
{"hour": 12, "minute": 42}
